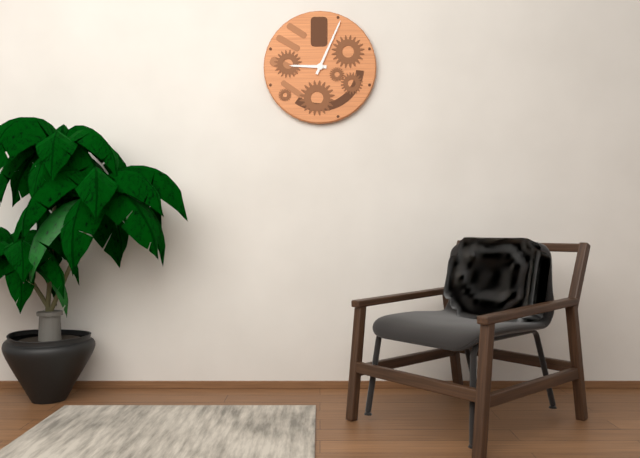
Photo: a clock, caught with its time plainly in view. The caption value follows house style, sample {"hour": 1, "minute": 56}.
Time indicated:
{"hour": 9, "minute": 4}
